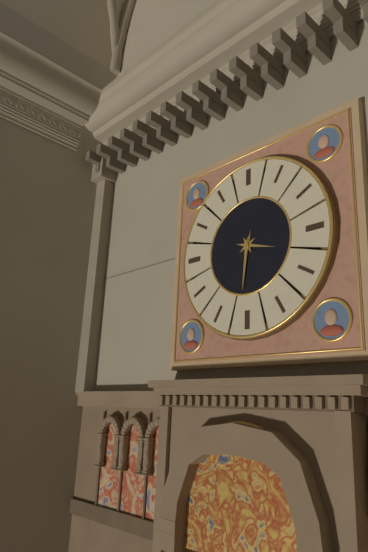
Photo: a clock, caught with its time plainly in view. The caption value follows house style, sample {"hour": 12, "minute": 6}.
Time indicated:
{"hour": 3, "minute": 31}
